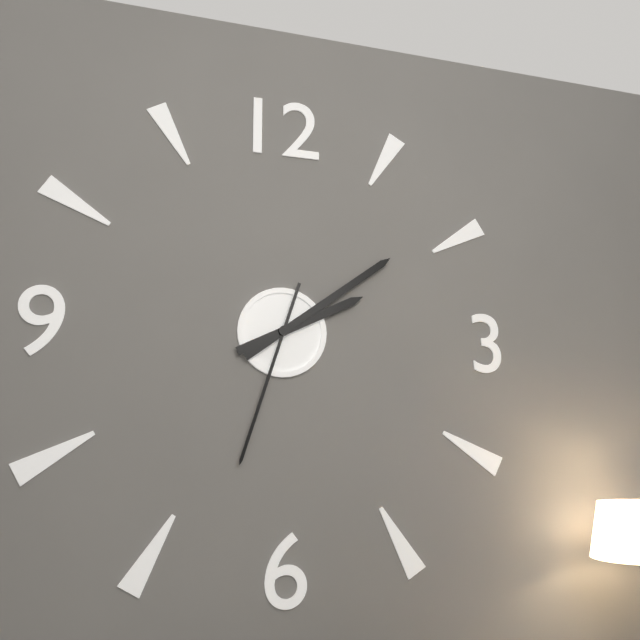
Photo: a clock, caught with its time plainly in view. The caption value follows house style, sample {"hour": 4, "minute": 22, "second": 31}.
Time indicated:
{"hour": 2, "minute": 9, "second": 33}
